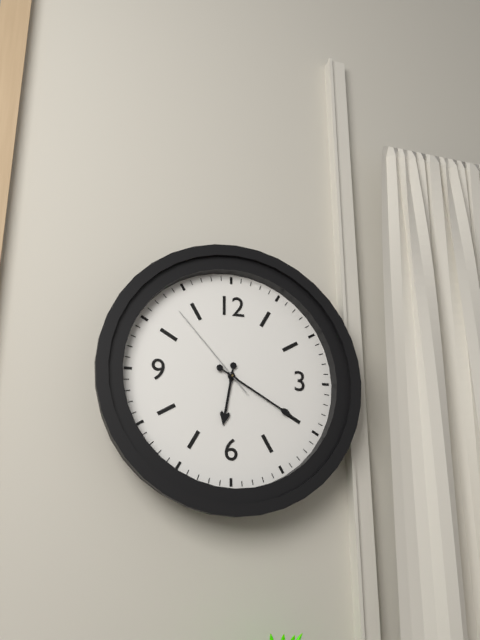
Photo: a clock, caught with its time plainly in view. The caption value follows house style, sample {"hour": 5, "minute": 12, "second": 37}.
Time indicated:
{"hour": 6, "minute": 20, "second": 53}
